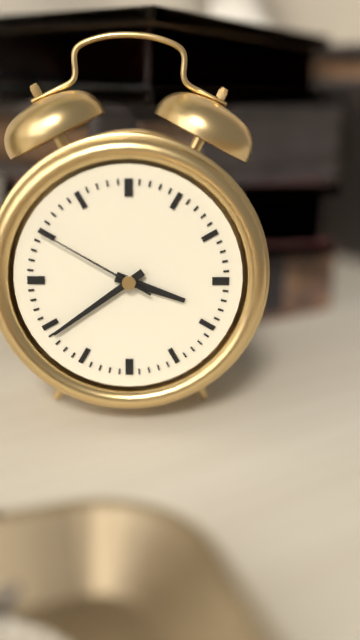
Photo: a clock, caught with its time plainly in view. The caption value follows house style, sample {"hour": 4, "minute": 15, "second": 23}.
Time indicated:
{"hour": 3, "minute": 39, "second": 50}
